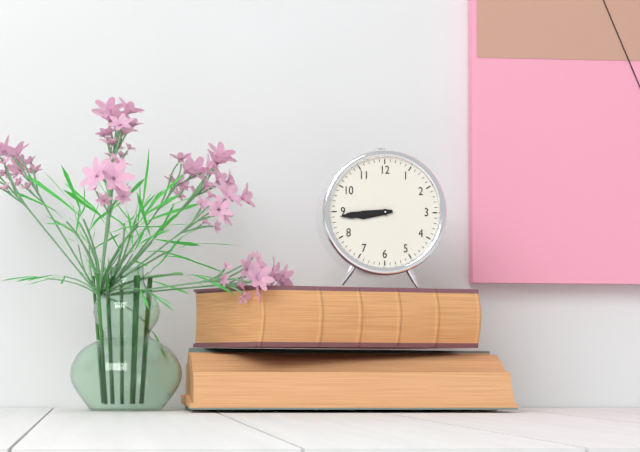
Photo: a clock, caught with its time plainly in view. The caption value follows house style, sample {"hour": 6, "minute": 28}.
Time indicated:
{"hour": 8, "minute": 44}
